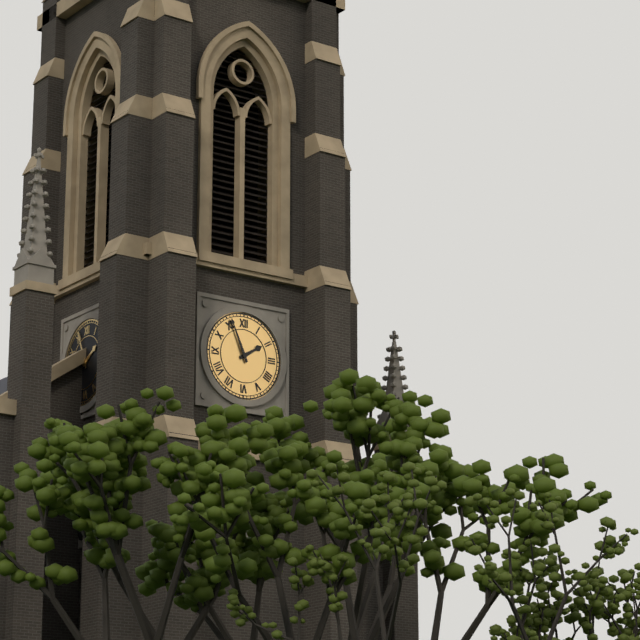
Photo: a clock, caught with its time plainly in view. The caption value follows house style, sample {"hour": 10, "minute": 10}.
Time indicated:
{"hour": 1, "minute": 56}
